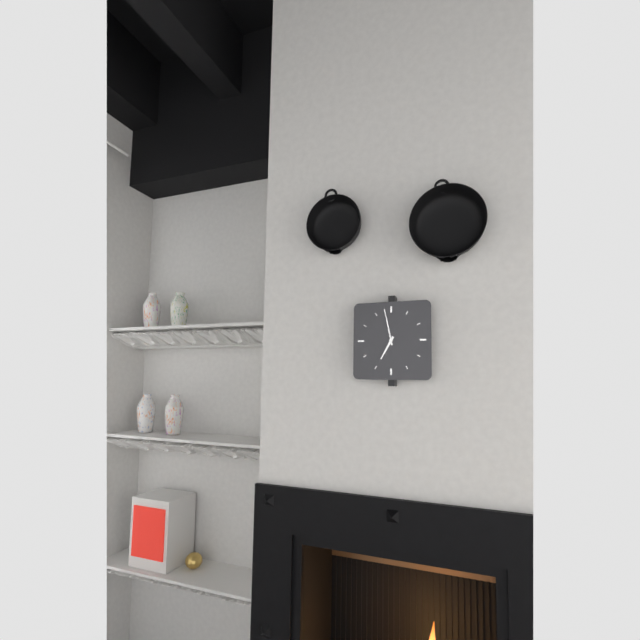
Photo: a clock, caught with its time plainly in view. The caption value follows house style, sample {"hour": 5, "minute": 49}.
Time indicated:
{"hour": 6, "minute": 58}
